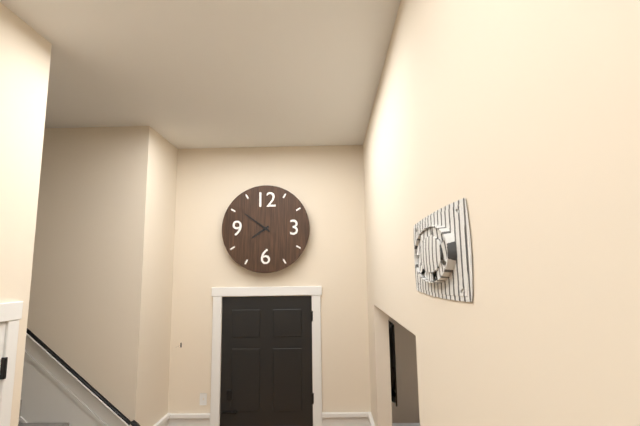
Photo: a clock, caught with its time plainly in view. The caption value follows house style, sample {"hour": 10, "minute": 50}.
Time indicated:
{"hour": 7, "minute": 51}
